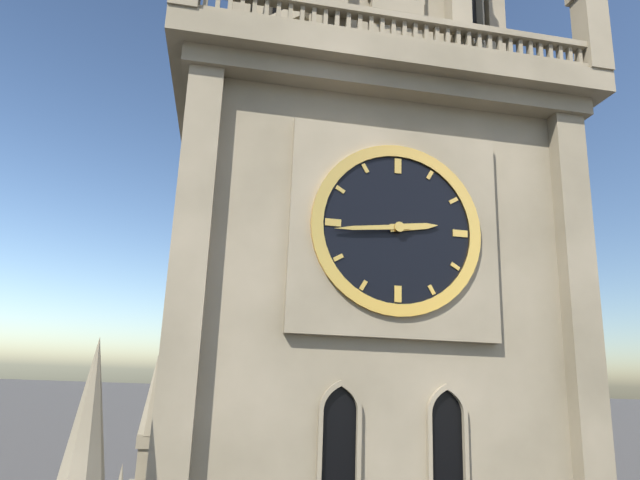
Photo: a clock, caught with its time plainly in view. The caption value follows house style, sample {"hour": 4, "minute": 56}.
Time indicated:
{"hour": 2, "minute": 44}
